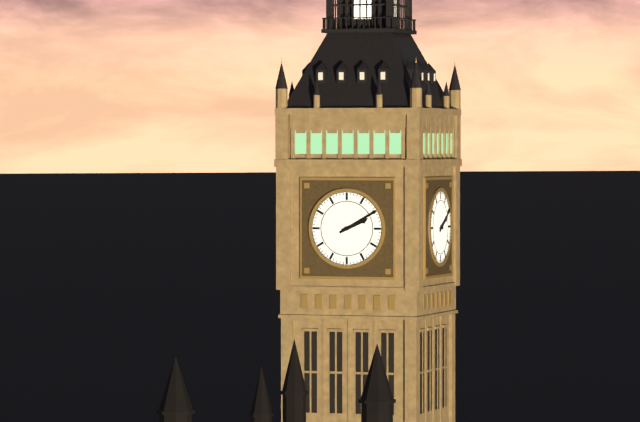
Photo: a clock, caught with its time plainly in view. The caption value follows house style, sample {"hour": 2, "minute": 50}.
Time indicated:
{"hour": 2, "minute": 10}
